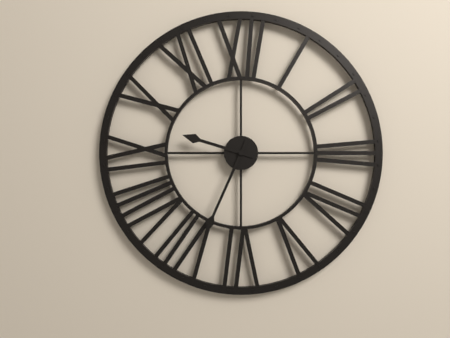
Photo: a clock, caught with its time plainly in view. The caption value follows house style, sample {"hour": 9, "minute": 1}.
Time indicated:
{"hour": 9, "minute": 34}
